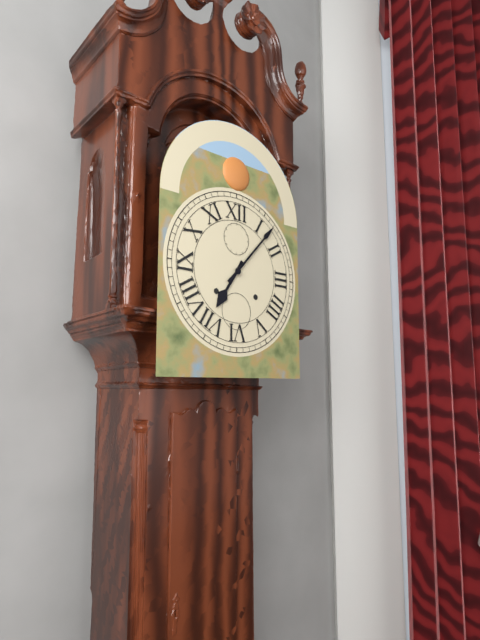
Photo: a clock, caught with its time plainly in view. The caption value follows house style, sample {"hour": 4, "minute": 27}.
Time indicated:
{"hour": 7, "minute": 7}
